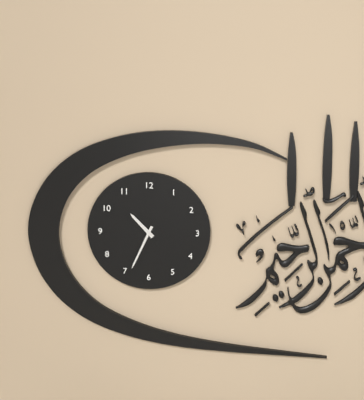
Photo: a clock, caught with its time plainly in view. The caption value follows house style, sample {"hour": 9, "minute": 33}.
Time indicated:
{"hour": 10, "minute": 34}
